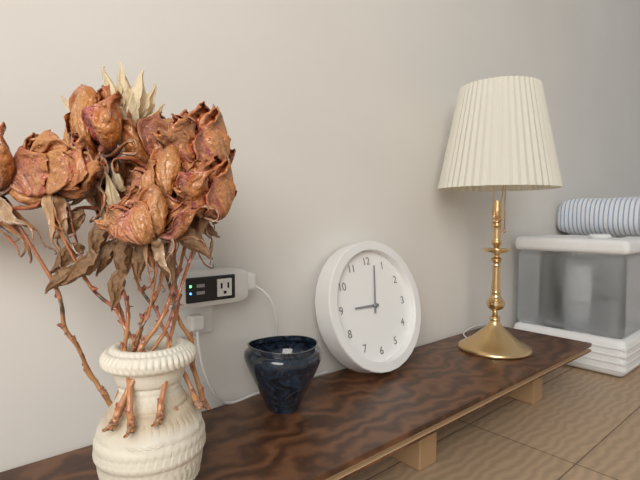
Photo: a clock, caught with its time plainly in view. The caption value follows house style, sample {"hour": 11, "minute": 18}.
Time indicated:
{"hour": 9, "minute": 2}
